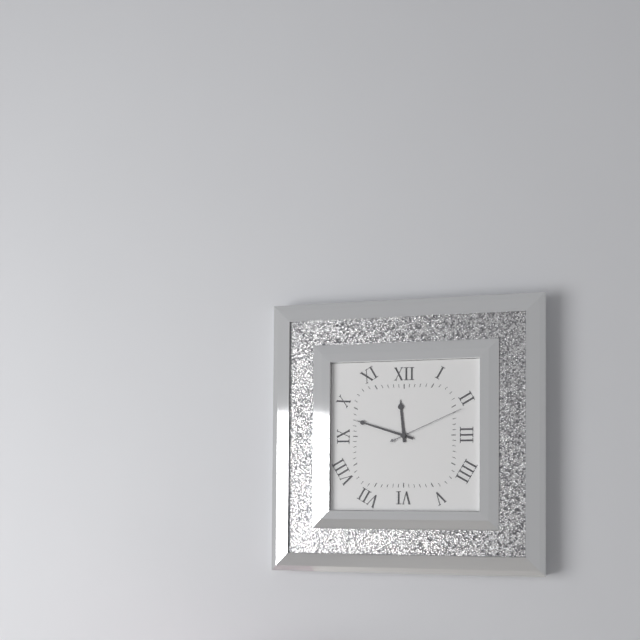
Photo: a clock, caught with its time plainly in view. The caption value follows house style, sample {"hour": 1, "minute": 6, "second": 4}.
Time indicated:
{"hour": 11, "minute": 48, "second": 11}
